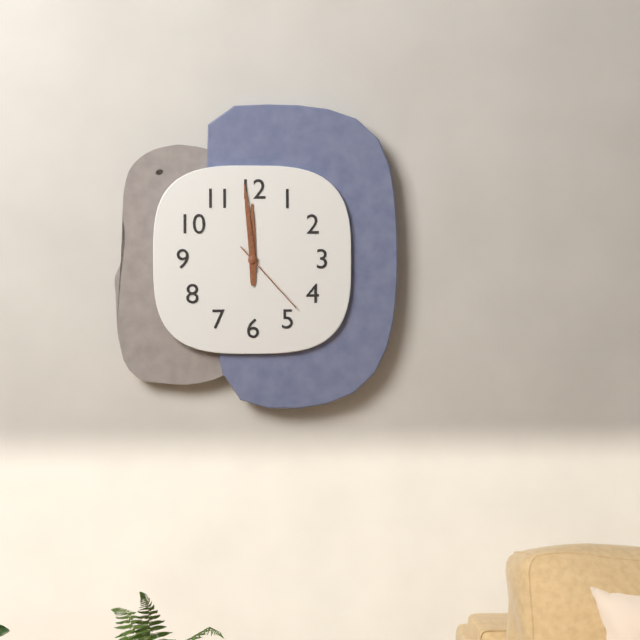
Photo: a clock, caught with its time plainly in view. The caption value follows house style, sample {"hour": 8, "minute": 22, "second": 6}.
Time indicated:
{"hour": 11, "minute": 59, "second": 23}
